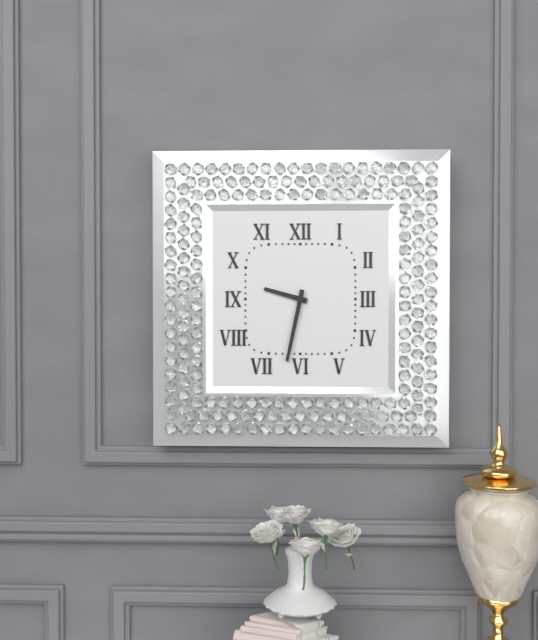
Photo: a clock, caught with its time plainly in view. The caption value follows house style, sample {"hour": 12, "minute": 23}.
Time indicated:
{"hour": 9, "minute": 32}
